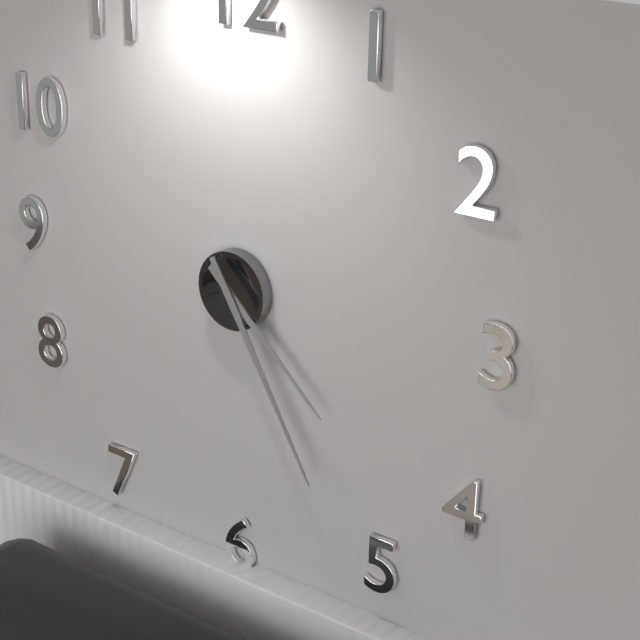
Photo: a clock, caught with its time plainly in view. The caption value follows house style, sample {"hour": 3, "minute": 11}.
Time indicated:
{"hour": 4, "minute": 25}
